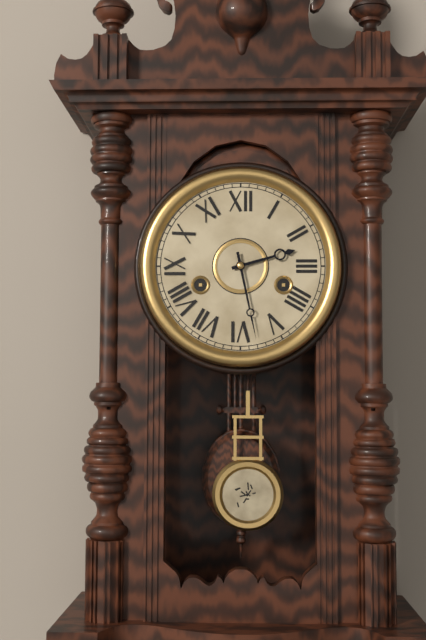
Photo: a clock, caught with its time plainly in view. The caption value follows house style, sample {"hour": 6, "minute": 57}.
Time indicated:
{"hour": 2, "minute": 28}
